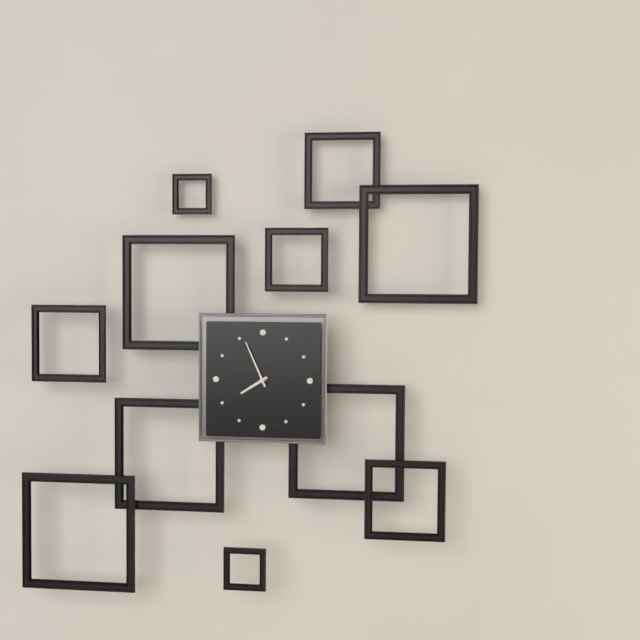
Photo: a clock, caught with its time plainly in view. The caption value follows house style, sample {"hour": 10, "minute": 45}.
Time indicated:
{"hour": 7, "minute": 56}
